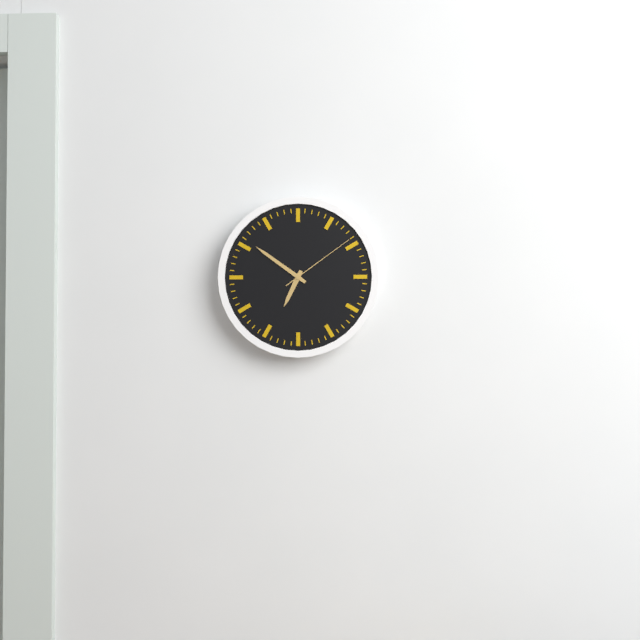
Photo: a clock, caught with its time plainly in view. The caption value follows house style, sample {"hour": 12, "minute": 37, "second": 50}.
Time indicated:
{"hour": 6, "minute": 51, "second": 9}
